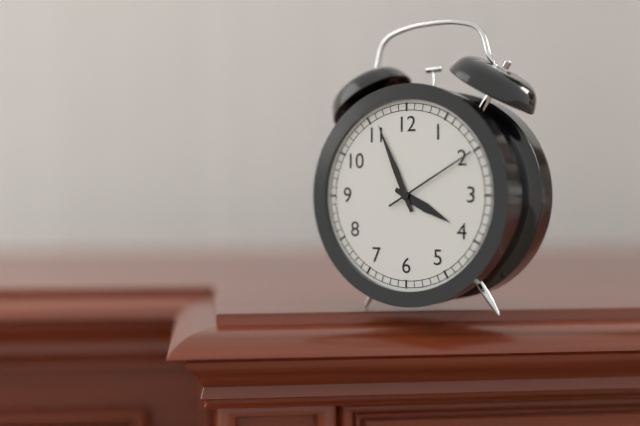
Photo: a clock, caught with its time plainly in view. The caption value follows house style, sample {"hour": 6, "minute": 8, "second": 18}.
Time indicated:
{"hour": 3, "minute": 56, "second": 10}
